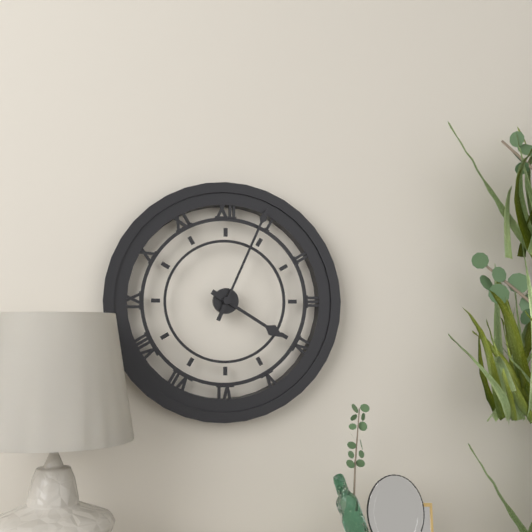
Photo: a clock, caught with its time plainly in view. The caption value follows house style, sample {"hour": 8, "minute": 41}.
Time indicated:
{"hour": 4, "minute": 4}
